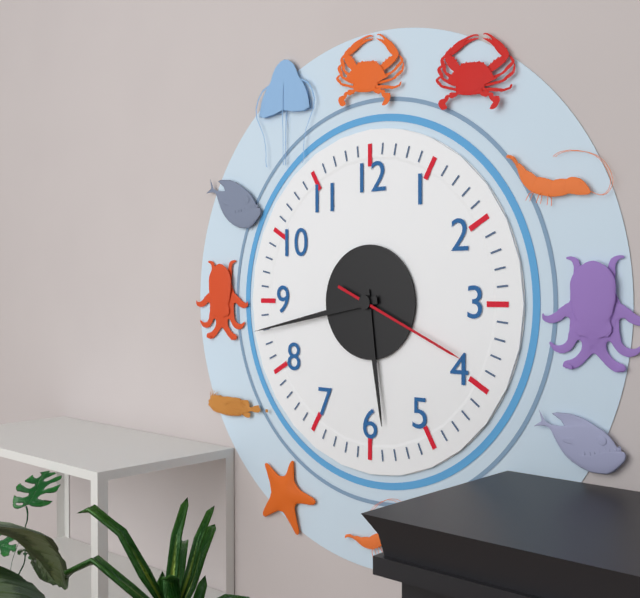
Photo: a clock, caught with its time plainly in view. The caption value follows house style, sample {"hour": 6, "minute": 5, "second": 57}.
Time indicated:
{"hour": 5, "minute": 43, "second": 19}
